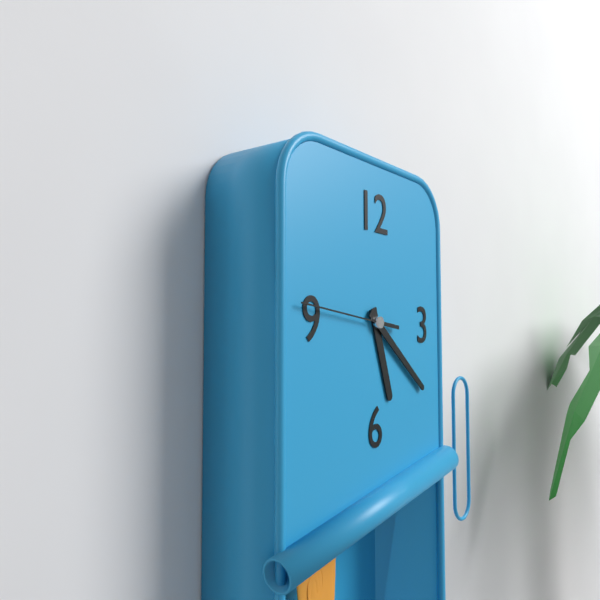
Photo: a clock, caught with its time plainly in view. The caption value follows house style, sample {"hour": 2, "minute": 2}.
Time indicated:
{"hour": 5, "minute": 21}
